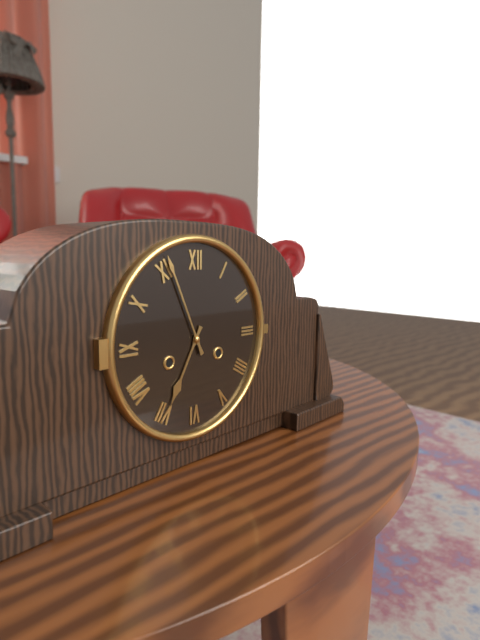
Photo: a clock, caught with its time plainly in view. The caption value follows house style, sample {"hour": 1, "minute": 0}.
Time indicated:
{"hour": 6, "minute": 56}
